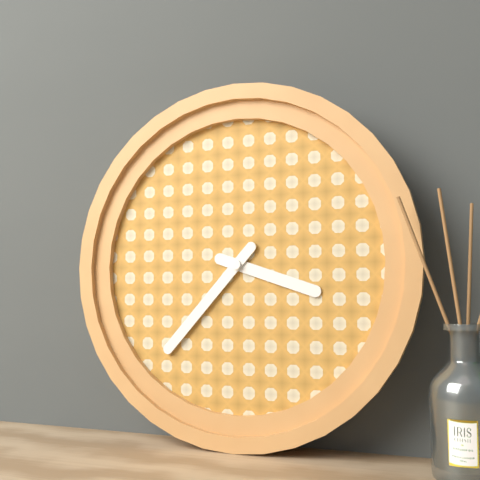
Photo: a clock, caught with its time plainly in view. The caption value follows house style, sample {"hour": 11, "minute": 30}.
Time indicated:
{"hour": 3, "minute": 37}
